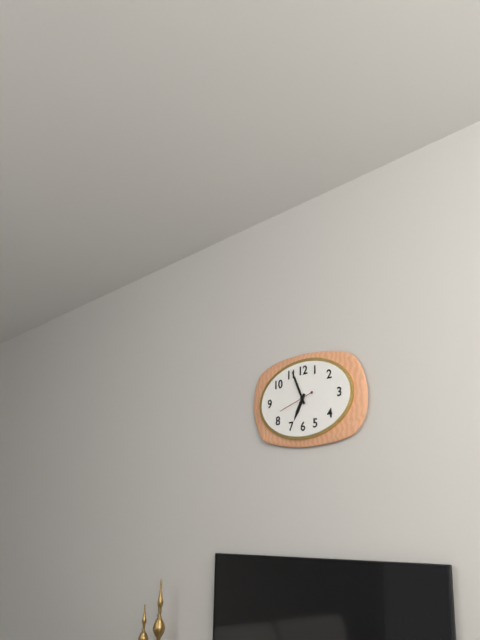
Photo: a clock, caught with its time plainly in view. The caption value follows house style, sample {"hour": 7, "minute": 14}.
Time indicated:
{"hour": 6, "minute": 56}
